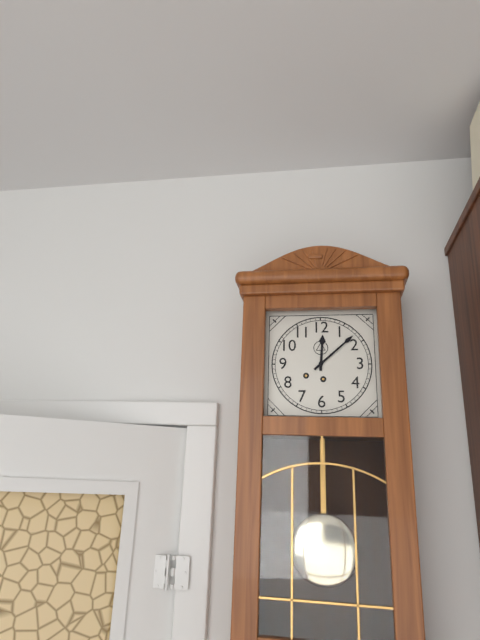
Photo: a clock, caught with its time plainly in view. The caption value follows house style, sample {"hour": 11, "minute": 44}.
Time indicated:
{"hour": 12, "minute": 8}
